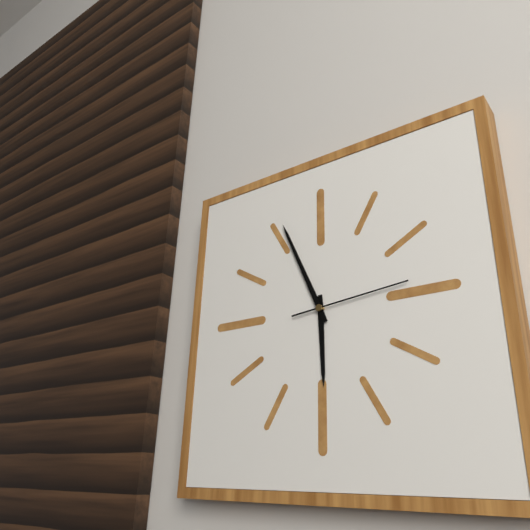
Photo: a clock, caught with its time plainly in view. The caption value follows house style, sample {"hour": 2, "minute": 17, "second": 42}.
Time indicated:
{"hour": 5, "minute": 56, "second": 14}
